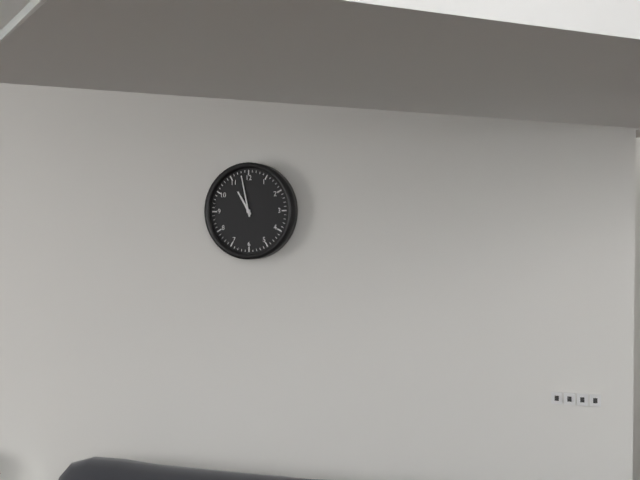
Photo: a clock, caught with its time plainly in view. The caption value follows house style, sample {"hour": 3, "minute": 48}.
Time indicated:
{"hour": 10, "minute": 58}
